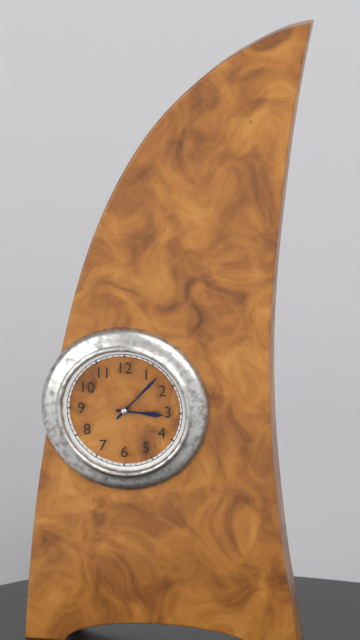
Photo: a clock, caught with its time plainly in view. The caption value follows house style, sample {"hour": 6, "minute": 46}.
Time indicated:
{"hour": 3, "minute": 7}
